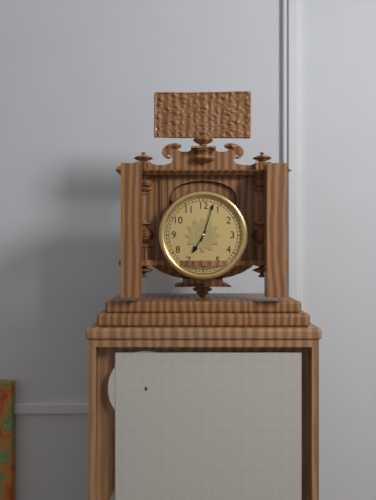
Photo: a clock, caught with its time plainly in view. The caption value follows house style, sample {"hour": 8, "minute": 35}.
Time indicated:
{"hour": 7, "minute": 3}
